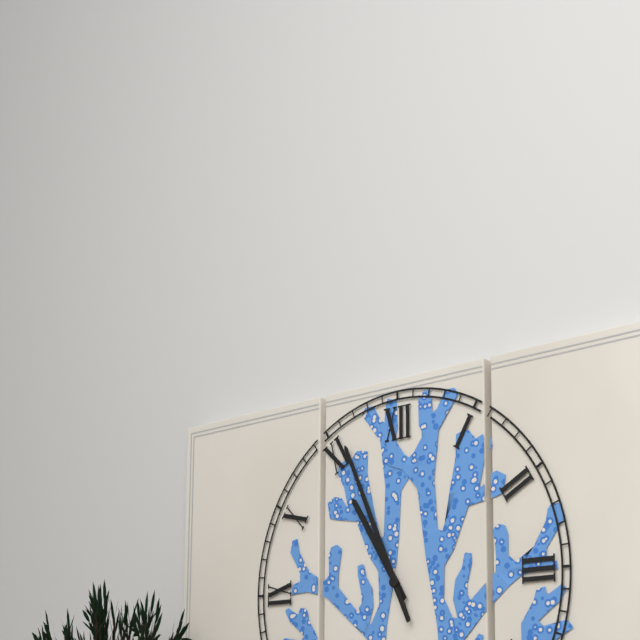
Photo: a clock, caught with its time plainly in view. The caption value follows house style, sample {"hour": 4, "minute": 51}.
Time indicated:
{"hour": 10, "minute": 56}
